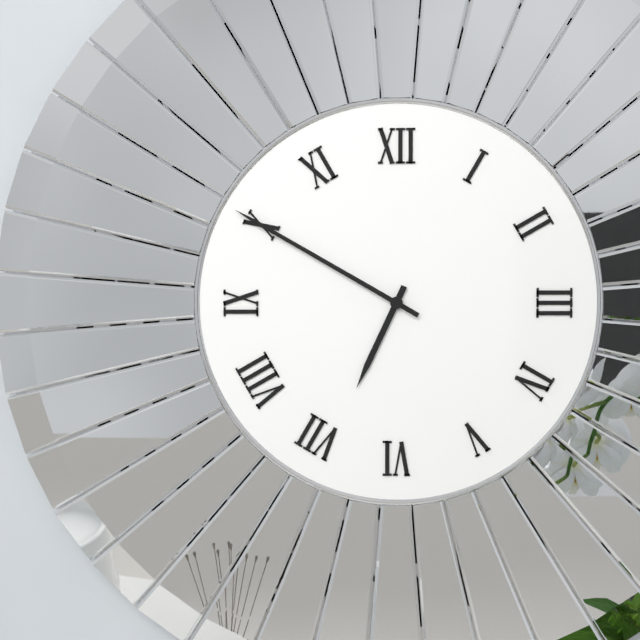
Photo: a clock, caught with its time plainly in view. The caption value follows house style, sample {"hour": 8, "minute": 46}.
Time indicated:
{"hour": 6, "minute": 50}
